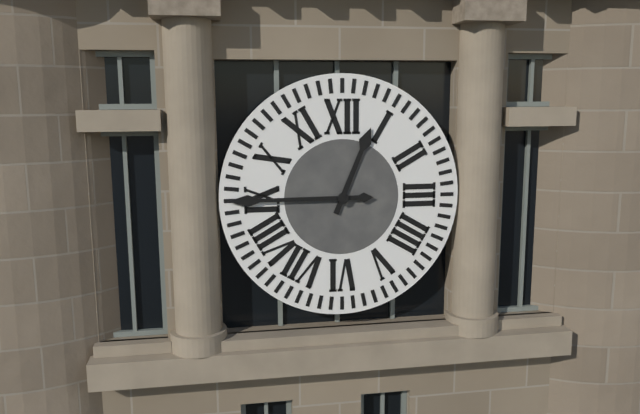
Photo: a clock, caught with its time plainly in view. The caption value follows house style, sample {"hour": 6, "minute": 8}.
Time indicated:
{"hour": 12, "minute": 45}
